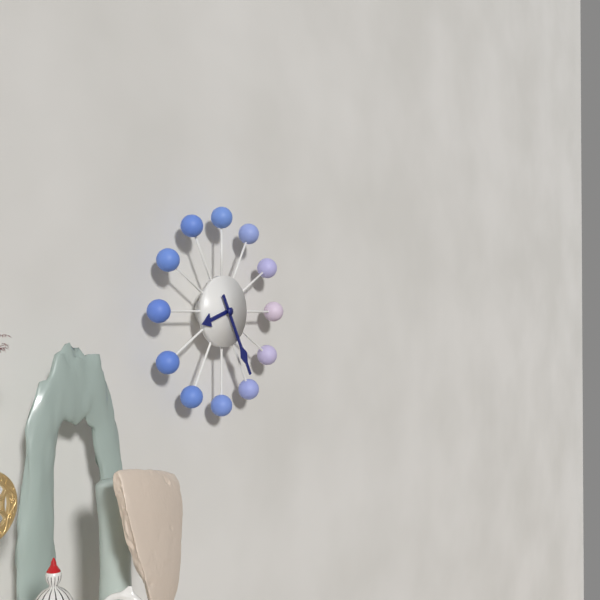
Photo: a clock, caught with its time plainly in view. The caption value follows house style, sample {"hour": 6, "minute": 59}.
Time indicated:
{"hour": 8, "minute": 25}
